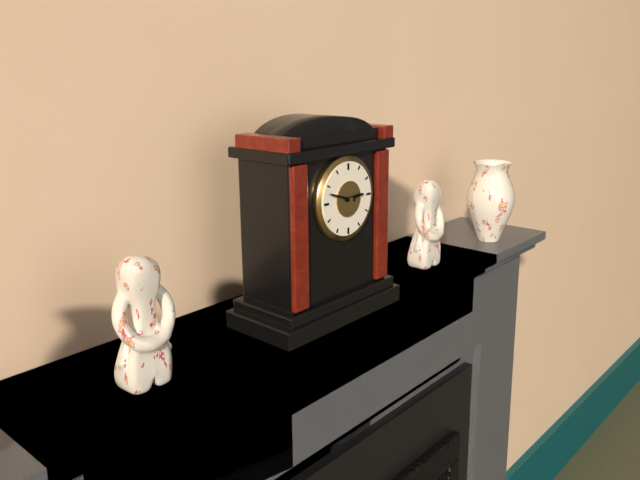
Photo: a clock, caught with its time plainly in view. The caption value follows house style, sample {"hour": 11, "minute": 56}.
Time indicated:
{"hour": 2, "minute": 48}
